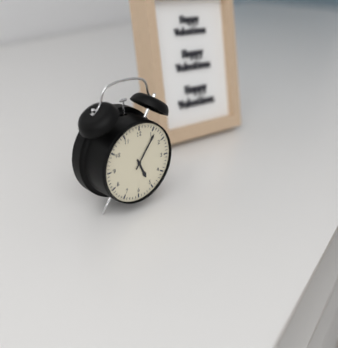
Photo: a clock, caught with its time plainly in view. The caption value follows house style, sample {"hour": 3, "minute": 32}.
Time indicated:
{"hour": 5, "minute": 6}
